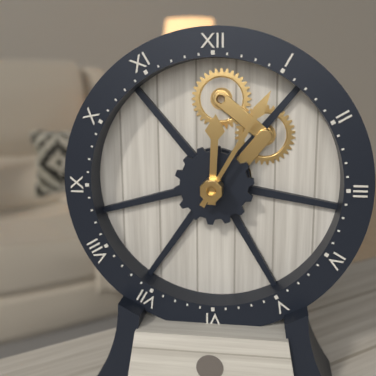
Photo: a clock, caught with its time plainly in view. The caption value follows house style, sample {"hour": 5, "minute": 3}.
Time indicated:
{"hour": 12, "minute": 5}
